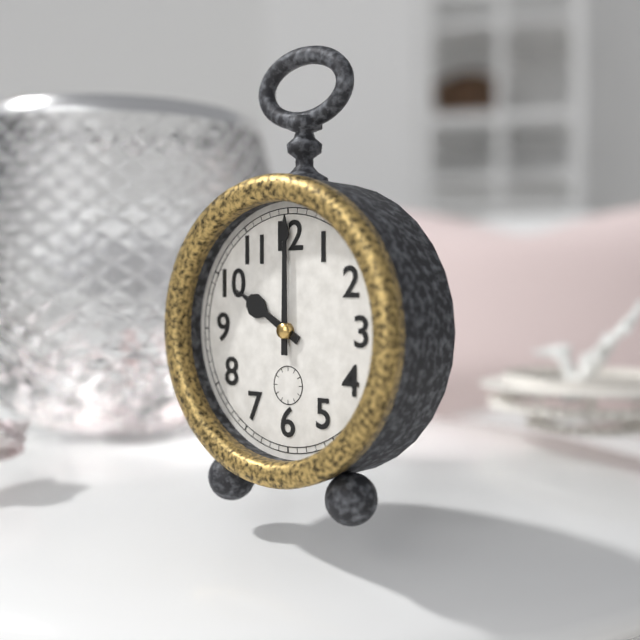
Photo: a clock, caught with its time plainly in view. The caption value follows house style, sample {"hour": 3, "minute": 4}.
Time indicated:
{"hour": 10, "minute": 0}
